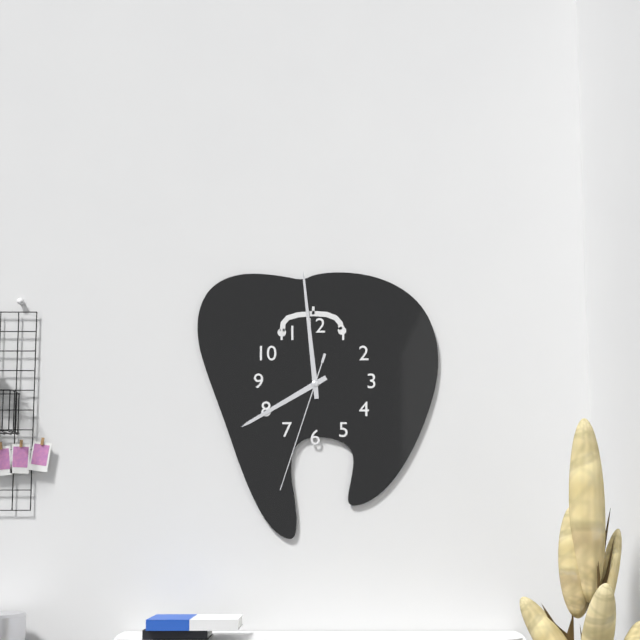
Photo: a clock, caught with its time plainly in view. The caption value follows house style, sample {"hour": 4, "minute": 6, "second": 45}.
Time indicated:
{"hour": 7, "minute": 59, "second": 33}
